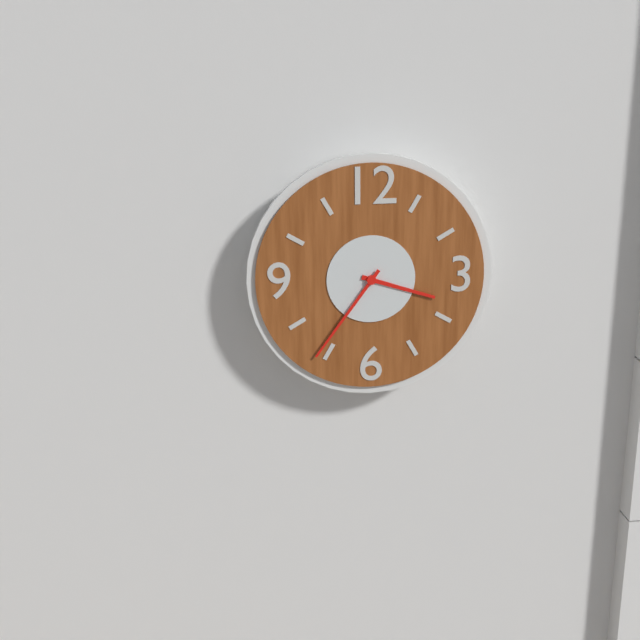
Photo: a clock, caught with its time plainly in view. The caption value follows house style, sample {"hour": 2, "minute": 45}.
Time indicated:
{"hour": 3, "minute": 36}
